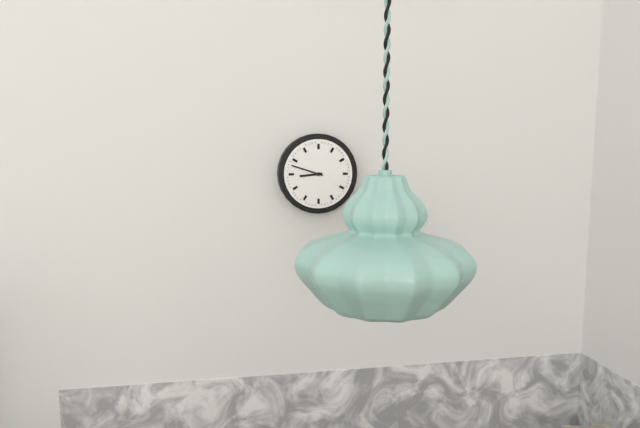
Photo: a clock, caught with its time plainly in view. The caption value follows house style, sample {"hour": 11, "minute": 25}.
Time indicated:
{"hour": 8, "minute": 48}
